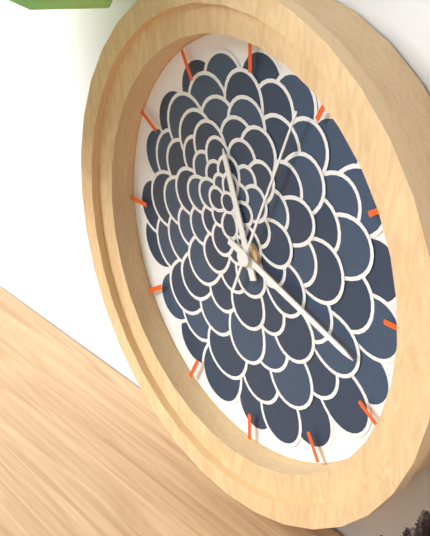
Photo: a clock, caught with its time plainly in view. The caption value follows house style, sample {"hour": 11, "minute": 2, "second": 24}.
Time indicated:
{"hour": 11, "minute": 18, "second": 4}
